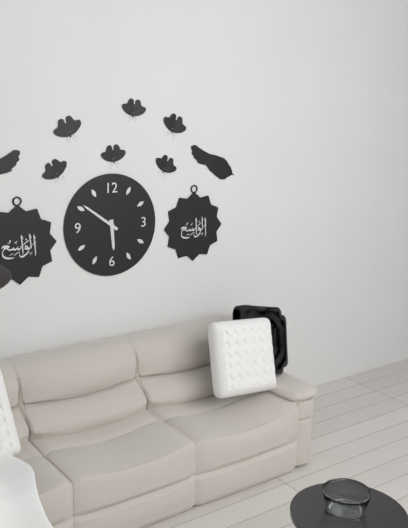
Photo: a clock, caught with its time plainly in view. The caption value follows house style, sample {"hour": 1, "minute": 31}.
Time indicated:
{"hour": 5, "minute": 51}
